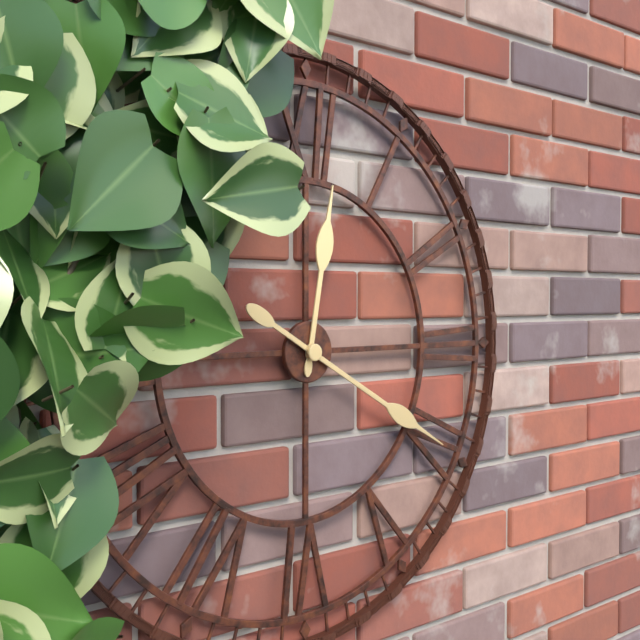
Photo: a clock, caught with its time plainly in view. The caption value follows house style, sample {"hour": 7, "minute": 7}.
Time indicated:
{"hour": 12, "minute": 20}
